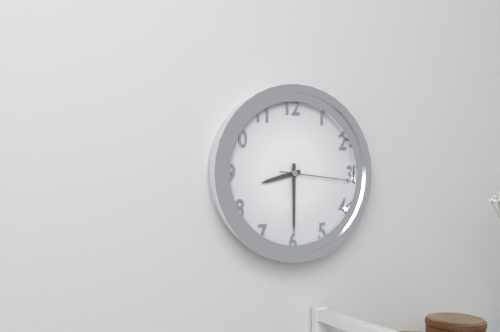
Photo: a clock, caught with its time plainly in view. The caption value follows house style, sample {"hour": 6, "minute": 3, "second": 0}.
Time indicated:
{"hour": 8, "minute": 30, "second": 16}
